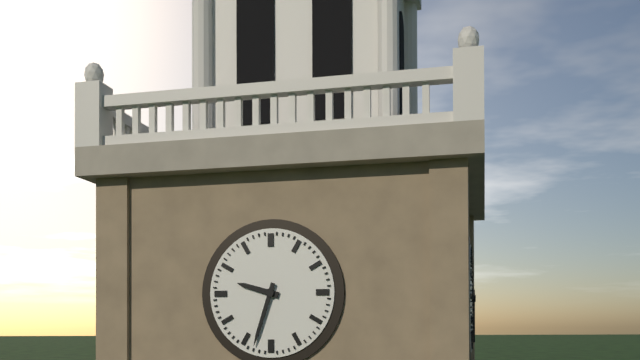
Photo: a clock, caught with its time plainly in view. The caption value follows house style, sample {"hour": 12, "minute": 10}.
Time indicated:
{"hour": 9, "minute": 33}
